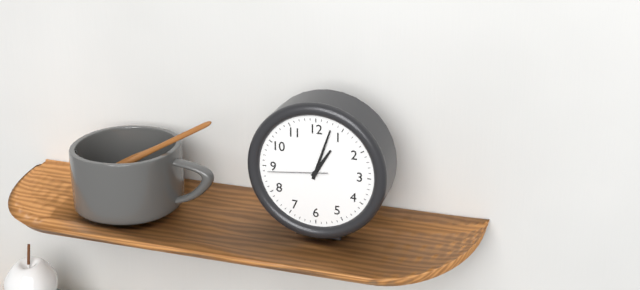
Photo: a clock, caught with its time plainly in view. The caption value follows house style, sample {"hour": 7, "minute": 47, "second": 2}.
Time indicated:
{"hour": 1, "minute": 3, "second": 44}
